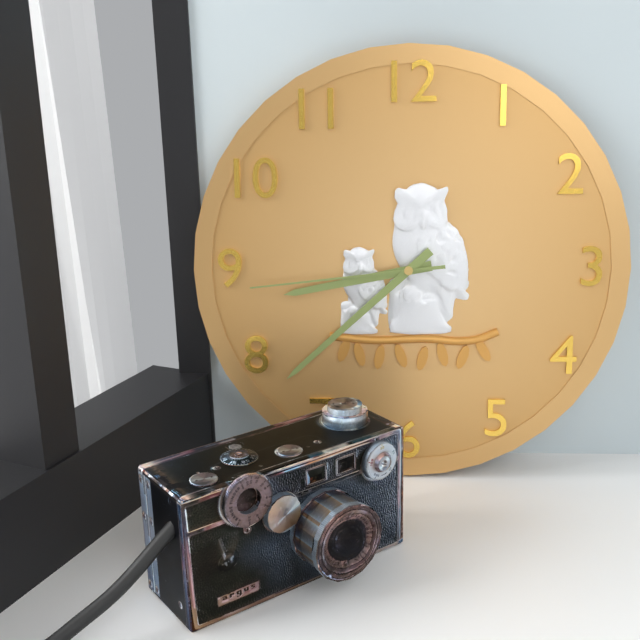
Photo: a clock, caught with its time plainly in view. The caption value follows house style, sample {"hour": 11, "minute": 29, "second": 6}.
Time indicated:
{"hour": 8, "minute": 38, "second": 44}
